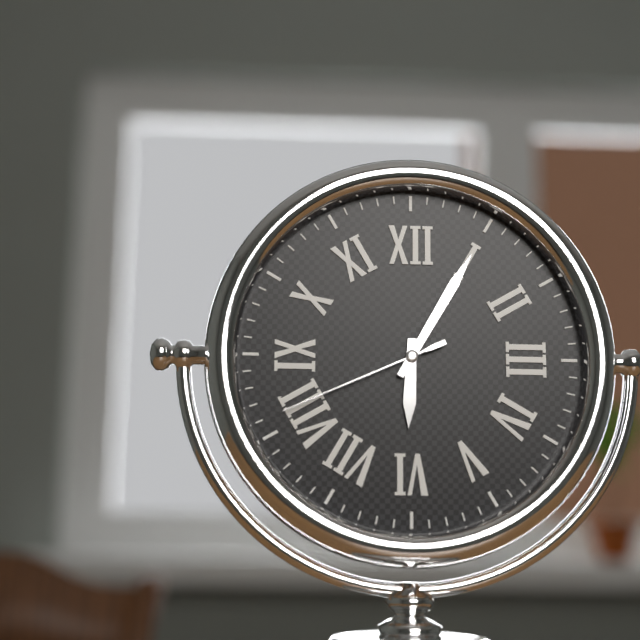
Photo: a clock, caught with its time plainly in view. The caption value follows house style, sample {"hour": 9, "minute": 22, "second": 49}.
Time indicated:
{"hour": 6, "minute": 5, "second": 41}
